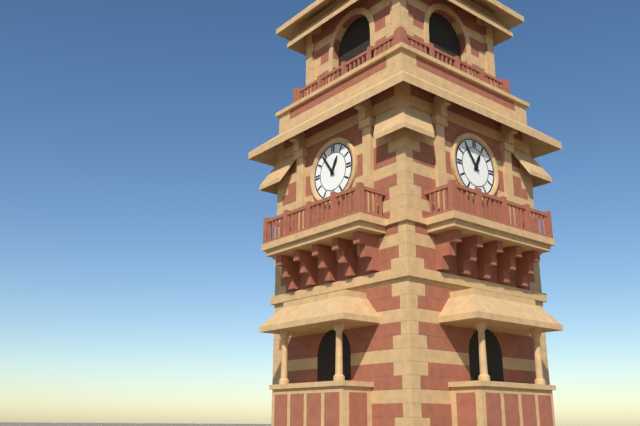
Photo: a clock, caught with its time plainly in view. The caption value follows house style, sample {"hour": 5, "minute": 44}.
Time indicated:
{"hour": 12, "minute": 54}
